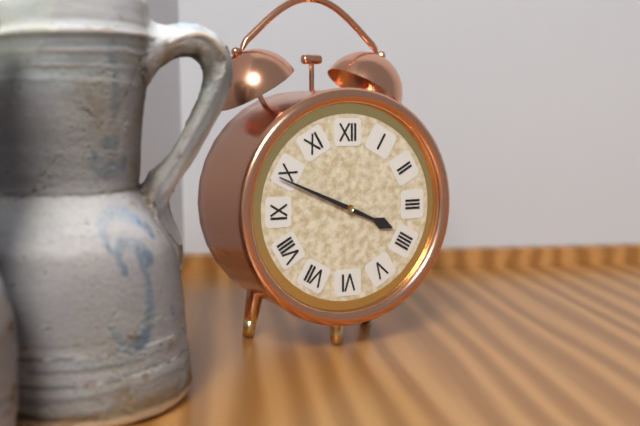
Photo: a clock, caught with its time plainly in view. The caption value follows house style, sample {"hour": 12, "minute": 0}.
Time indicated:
{"hour": 3, "minute": 49}
